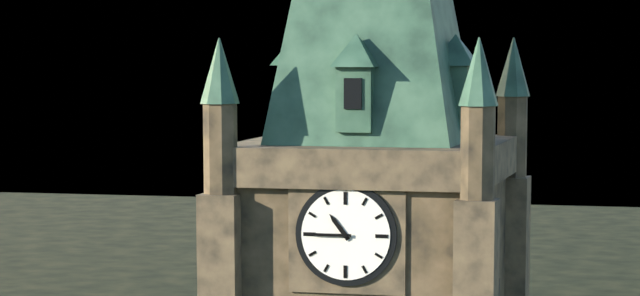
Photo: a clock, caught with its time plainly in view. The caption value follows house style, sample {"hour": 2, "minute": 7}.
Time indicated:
{"hour": 10, "minute": 45}
